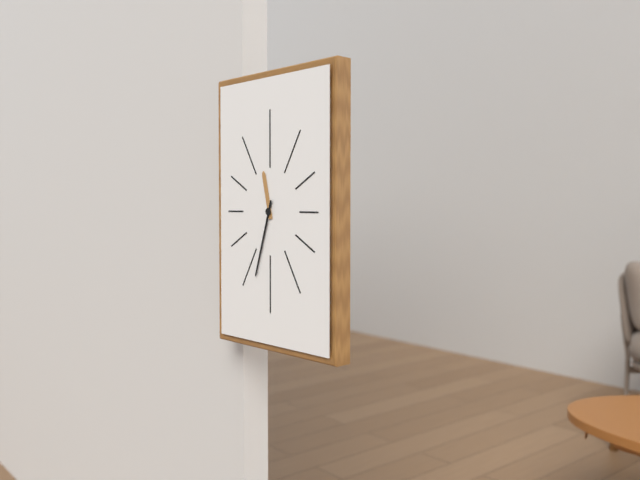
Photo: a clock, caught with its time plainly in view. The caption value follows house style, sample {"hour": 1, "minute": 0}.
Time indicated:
{"hour": 11, "minute": 33}
